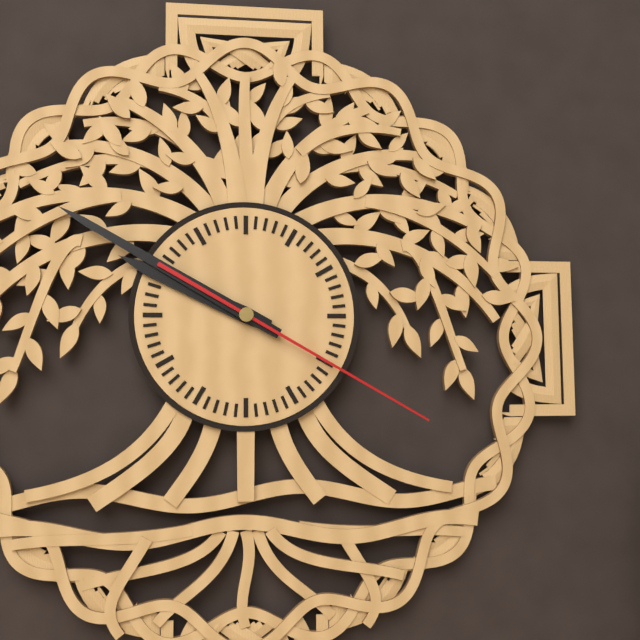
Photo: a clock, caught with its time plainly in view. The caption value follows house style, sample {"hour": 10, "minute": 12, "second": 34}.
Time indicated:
{"hour": 9, "minute": 50, "second": 20}
